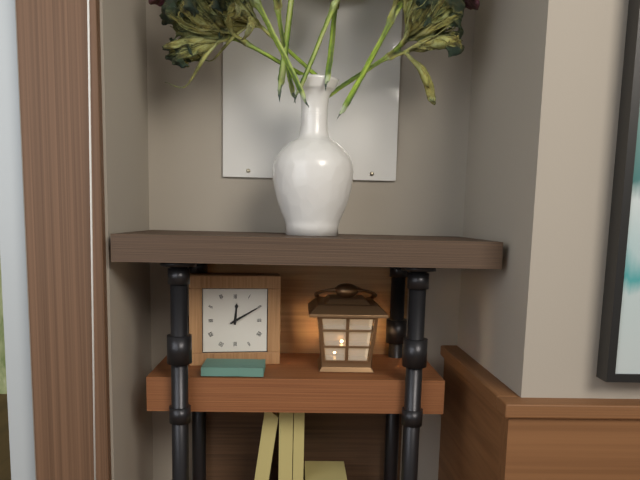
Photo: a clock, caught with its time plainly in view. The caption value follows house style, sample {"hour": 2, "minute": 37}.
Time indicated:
{"hour": 12, "minute": 10}
